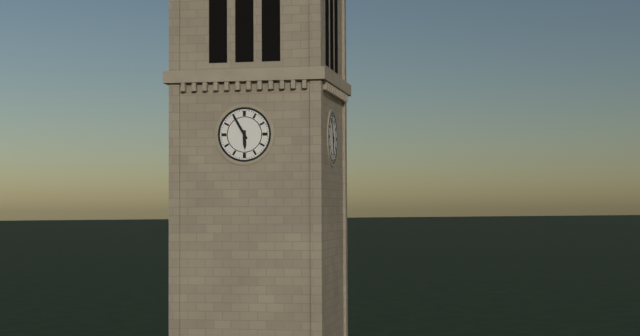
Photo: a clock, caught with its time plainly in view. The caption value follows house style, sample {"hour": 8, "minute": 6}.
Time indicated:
{"hour": 5, "minute": 55}
